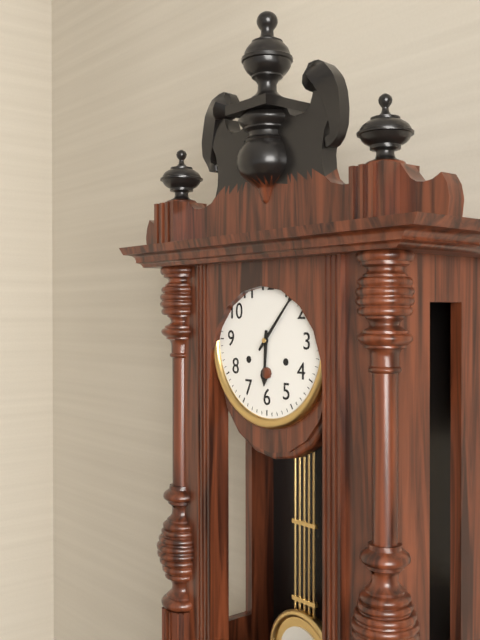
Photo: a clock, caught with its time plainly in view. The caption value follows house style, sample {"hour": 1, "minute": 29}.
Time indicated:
{"hour": 6, "minute": 7}
